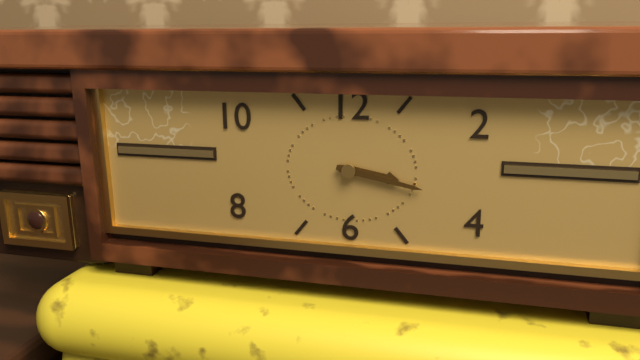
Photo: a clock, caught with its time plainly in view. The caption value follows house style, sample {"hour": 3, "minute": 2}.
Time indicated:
{"hour": 3, "minute": 17}
